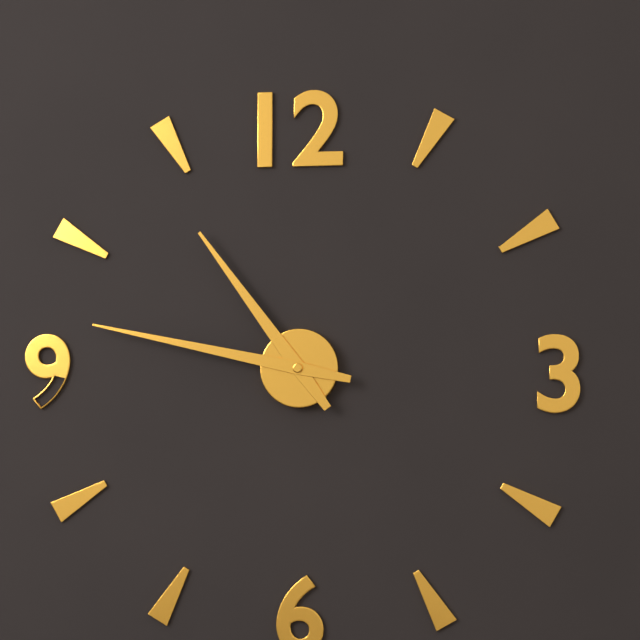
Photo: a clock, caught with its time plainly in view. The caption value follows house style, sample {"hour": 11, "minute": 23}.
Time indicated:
{"hour": 10, "minute": 47}
